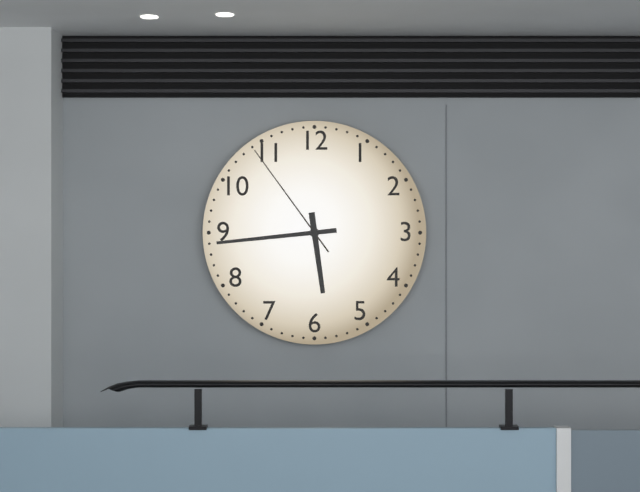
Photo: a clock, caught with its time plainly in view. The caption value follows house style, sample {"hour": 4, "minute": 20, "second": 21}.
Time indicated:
{"hour": 5, "minute": 44, "second": 54}
